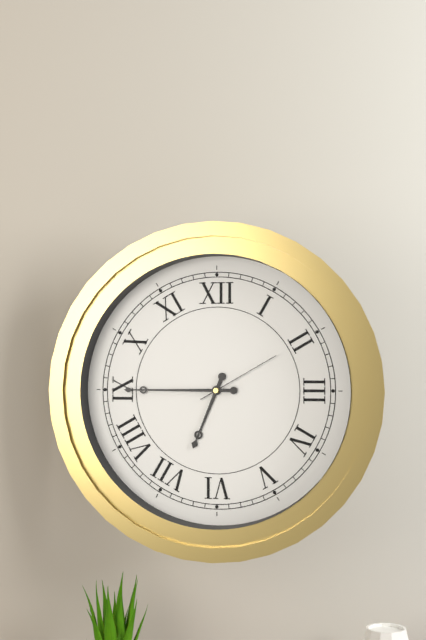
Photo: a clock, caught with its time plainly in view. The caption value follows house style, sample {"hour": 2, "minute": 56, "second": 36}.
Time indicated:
{"hour": 6, "minute": 45, "second": 10}
